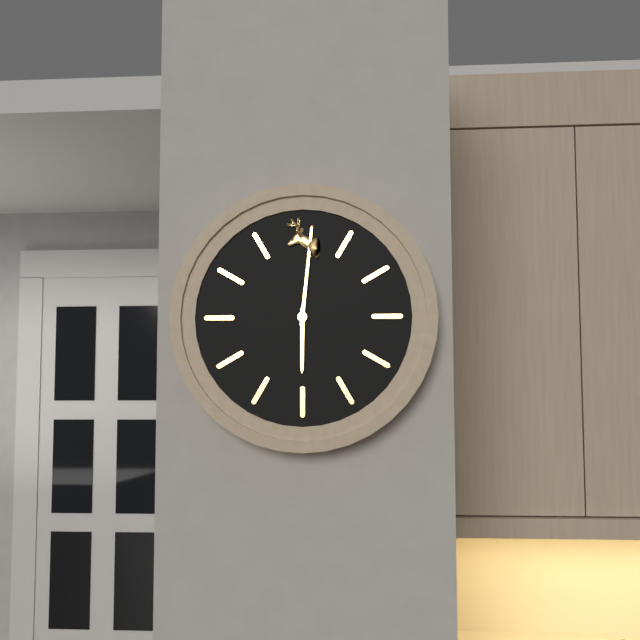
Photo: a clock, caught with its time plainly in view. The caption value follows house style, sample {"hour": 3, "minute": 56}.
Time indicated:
{"hour": 6, "minute": 1}
